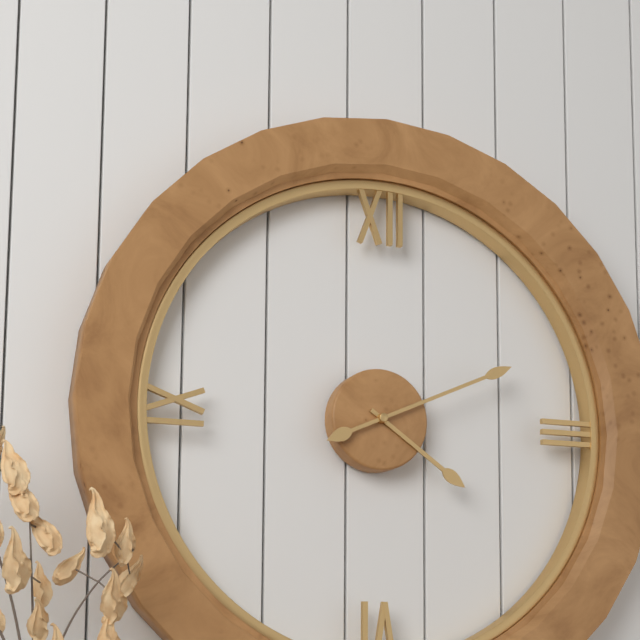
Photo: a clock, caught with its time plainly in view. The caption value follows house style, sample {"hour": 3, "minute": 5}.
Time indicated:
{"hour": 4, "minute": 11}
